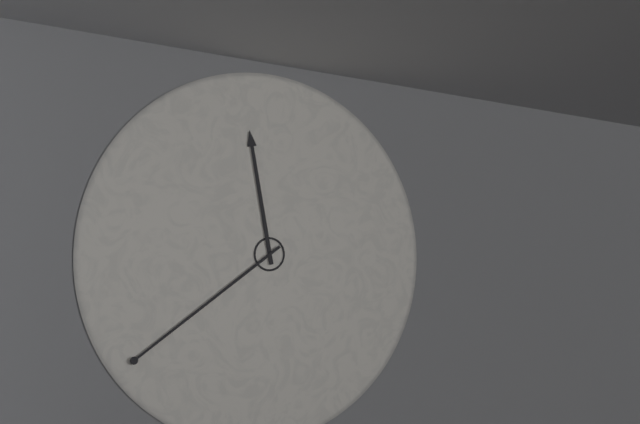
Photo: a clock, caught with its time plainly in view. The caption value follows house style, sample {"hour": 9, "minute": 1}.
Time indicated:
{"hour": 11, "minute": 39}
